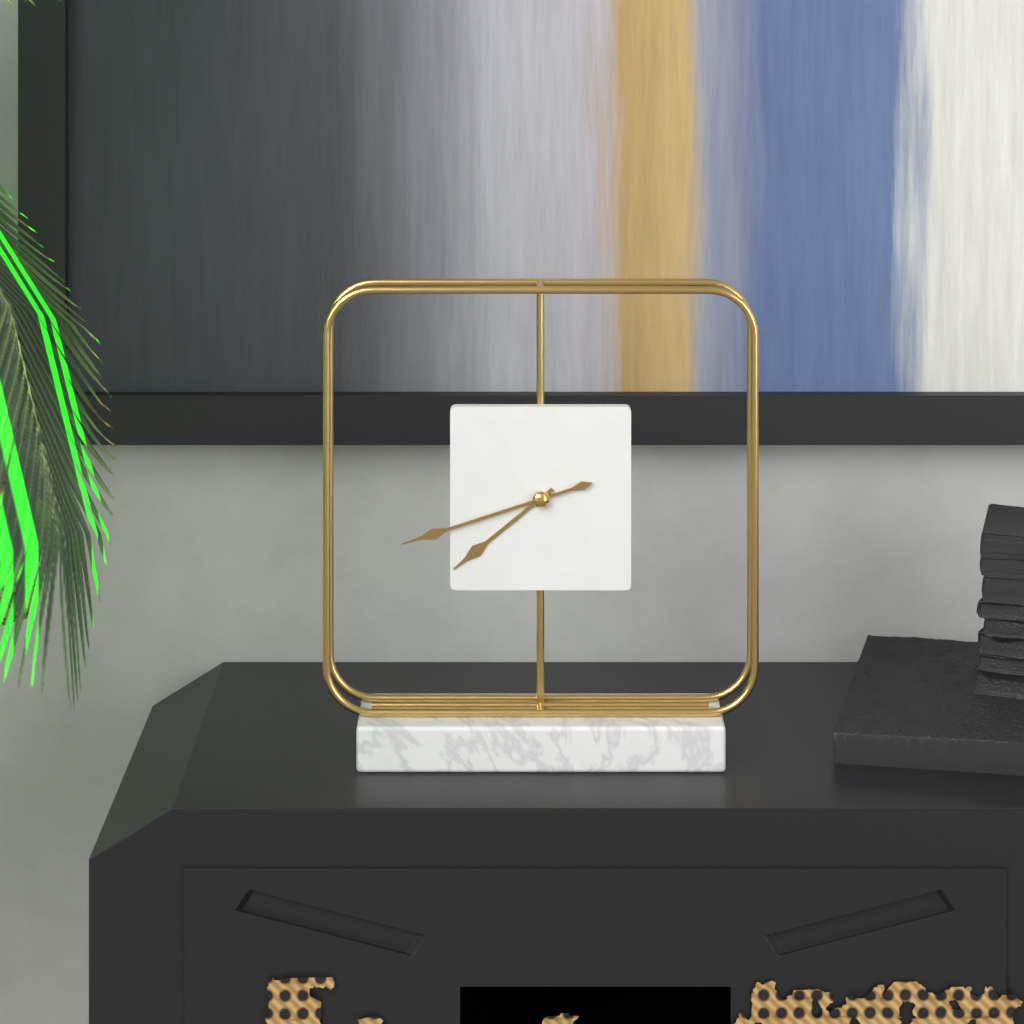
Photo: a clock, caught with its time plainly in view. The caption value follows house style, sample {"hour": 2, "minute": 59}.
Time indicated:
{"hour": 7, "minute": 42}
